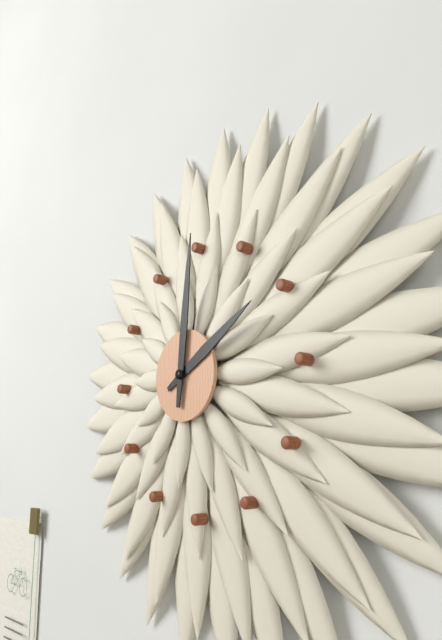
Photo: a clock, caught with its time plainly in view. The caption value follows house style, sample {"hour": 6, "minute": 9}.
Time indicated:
{"hour": 2, "minute": 1}
